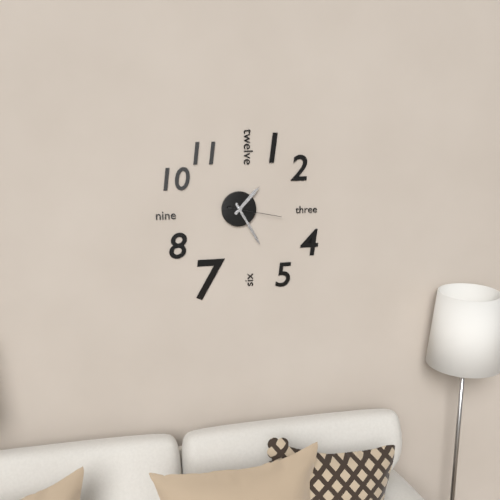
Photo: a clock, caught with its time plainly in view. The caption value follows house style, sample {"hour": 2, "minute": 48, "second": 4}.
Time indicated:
{"hour": 1, "minute": 25, "second": 17}
